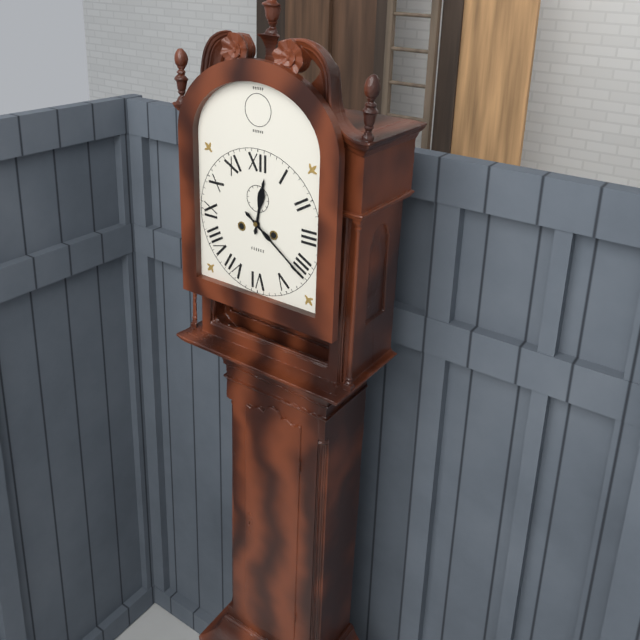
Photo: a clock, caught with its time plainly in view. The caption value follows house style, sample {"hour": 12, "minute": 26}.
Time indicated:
{"hour": 12, "minute": 21}
